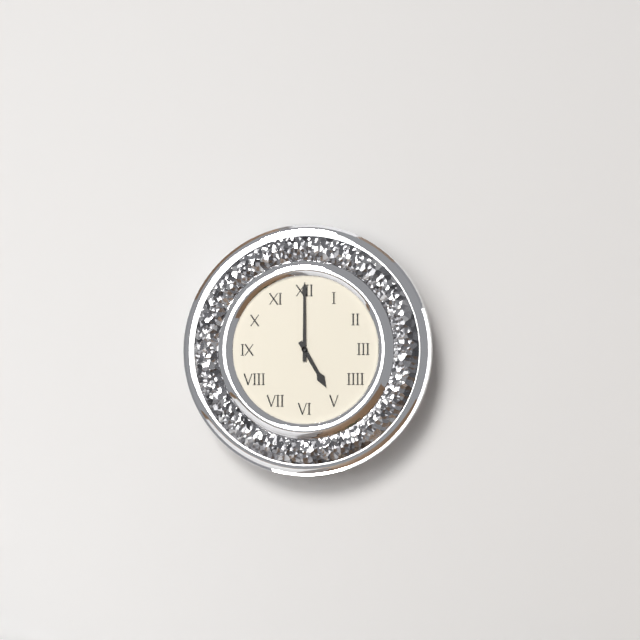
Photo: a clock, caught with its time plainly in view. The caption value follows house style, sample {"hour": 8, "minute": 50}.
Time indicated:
{"hour": 5, "minute": 0}
